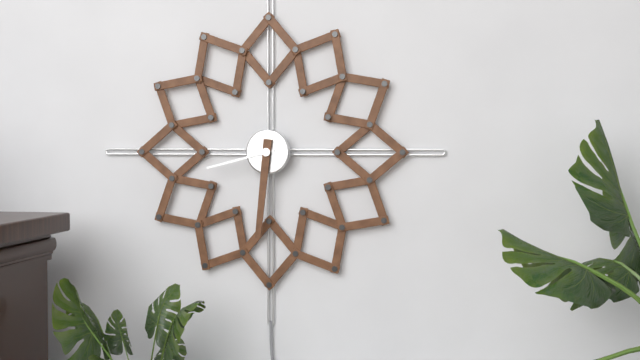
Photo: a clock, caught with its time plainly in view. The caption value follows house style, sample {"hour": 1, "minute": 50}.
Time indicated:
{"hour": 8, "minute": 31}
